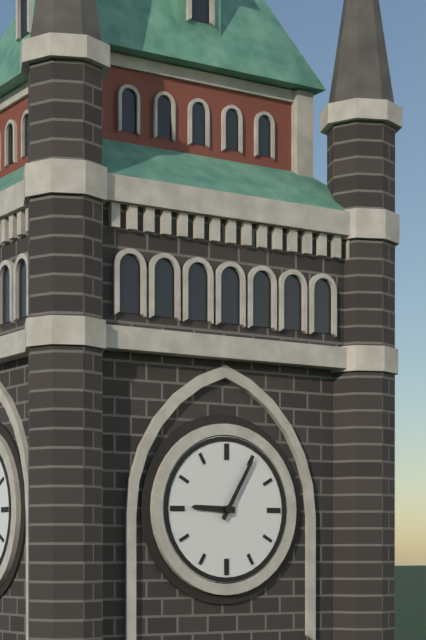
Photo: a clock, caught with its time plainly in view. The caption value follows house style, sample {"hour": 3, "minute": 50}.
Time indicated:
{"hour": 9, "minute": 5}
